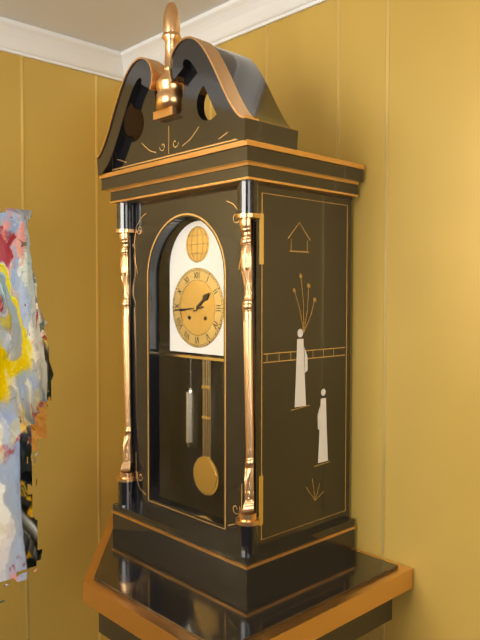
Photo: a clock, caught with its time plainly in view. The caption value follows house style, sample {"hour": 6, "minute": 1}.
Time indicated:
{"hour": 1, "minute": 44}
